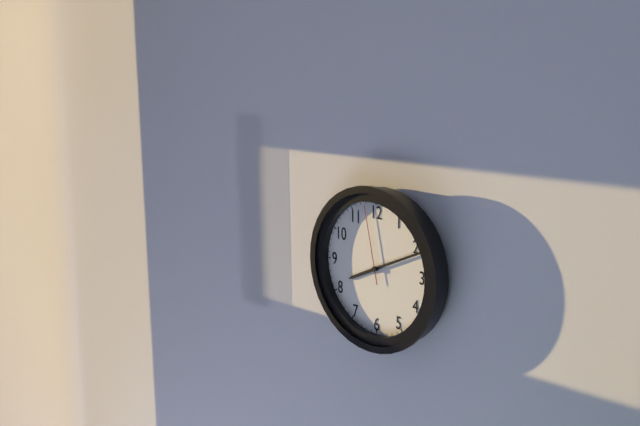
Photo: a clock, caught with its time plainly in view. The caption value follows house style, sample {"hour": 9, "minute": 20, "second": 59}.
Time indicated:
{"hour": 8, "minute": 11, "second": 58}
